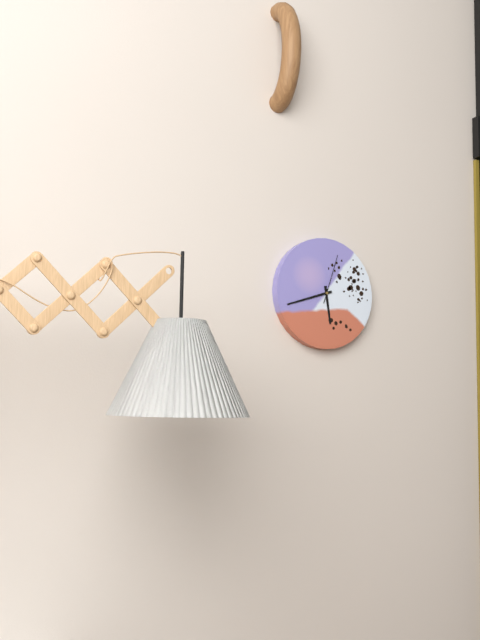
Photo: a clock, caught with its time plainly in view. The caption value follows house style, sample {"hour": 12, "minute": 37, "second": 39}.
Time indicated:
{"hour": 5, "minute": 42, "second": 3}
